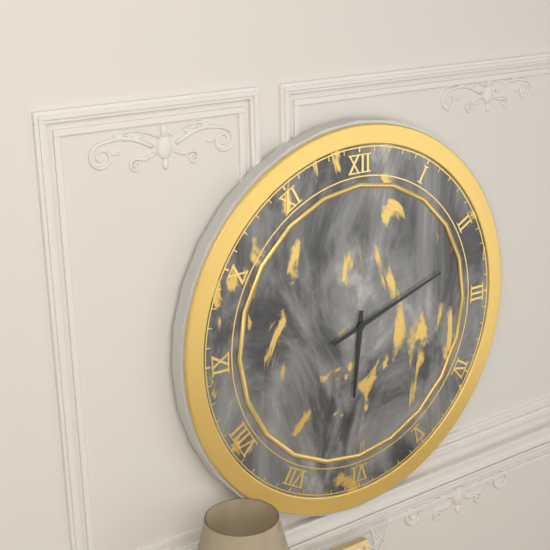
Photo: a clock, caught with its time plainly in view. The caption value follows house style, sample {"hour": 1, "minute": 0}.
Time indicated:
{"hour": 6, "minute": 12}
